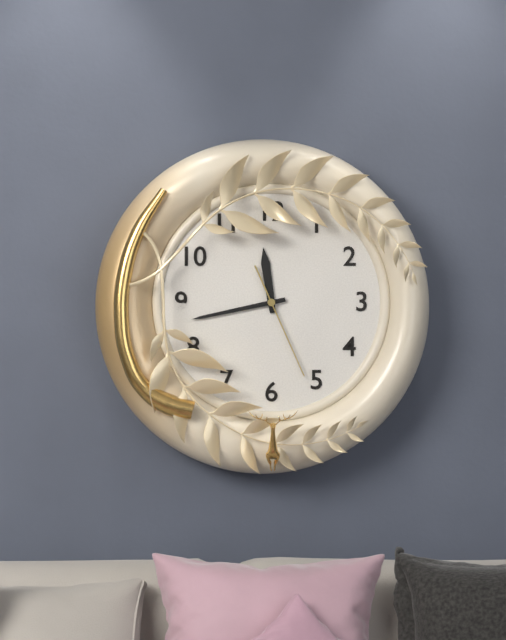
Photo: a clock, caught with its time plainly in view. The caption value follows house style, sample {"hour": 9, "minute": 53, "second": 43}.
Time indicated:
{"hour": 11, "minute": 43, "second": 26}
